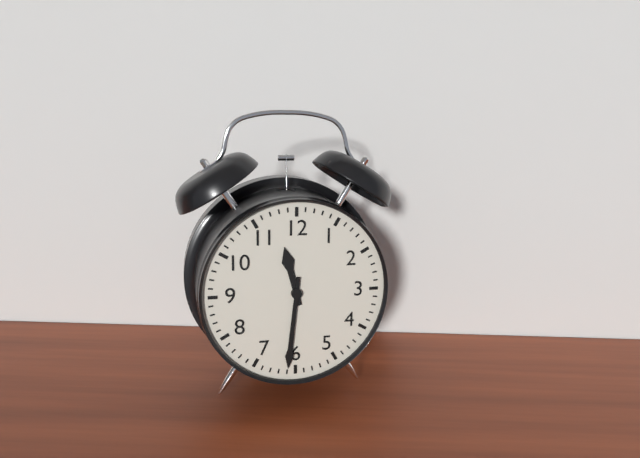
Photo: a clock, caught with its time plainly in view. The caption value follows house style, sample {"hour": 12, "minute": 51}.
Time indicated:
{"hour": 11, "minute": 31}
